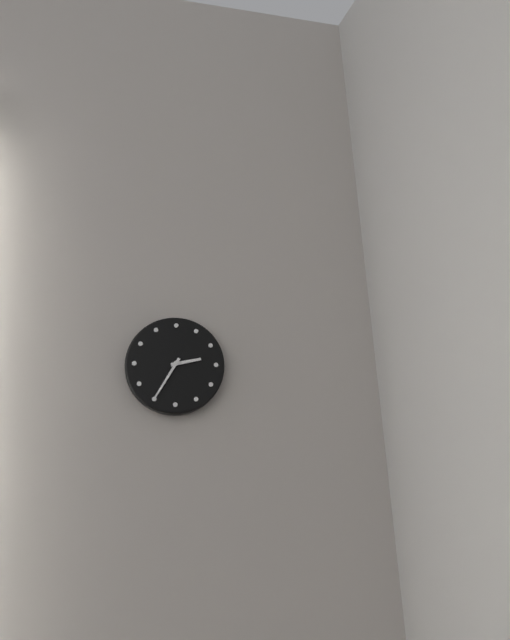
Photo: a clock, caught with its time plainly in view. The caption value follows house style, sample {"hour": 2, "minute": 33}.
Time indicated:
{"hour": 2, "minute": 35}
